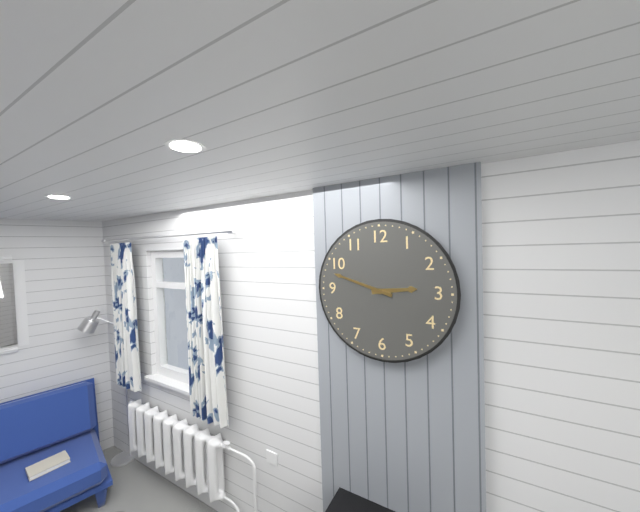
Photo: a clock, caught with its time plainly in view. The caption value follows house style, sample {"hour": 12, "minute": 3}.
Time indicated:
{"hour": 2, "minute": 48}
